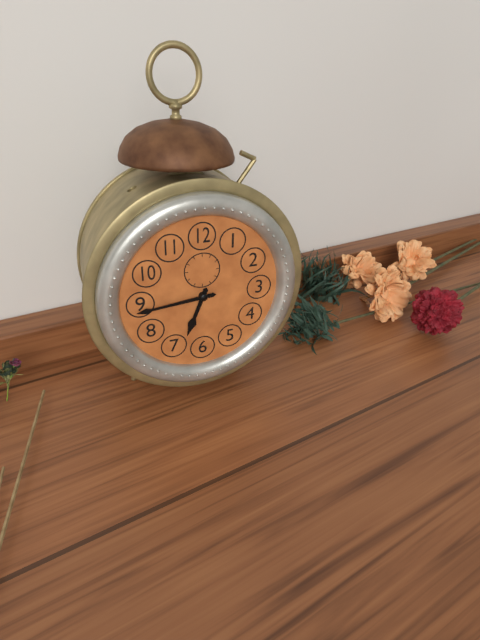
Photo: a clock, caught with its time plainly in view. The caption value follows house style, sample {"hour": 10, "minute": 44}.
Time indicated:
{"hour": 6, "minute": 44}
